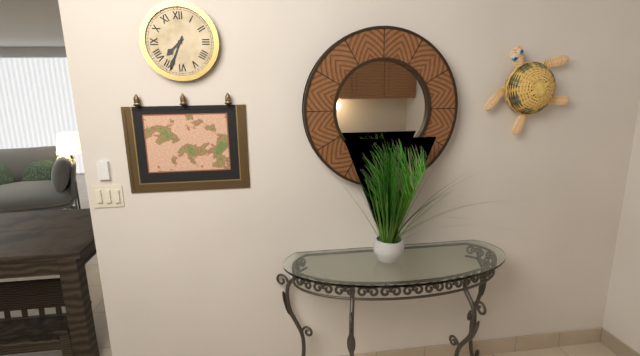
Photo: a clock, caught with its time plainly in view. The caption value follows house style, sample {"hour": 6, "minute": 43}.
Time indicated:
{"hour": 7, "minute": 34}
